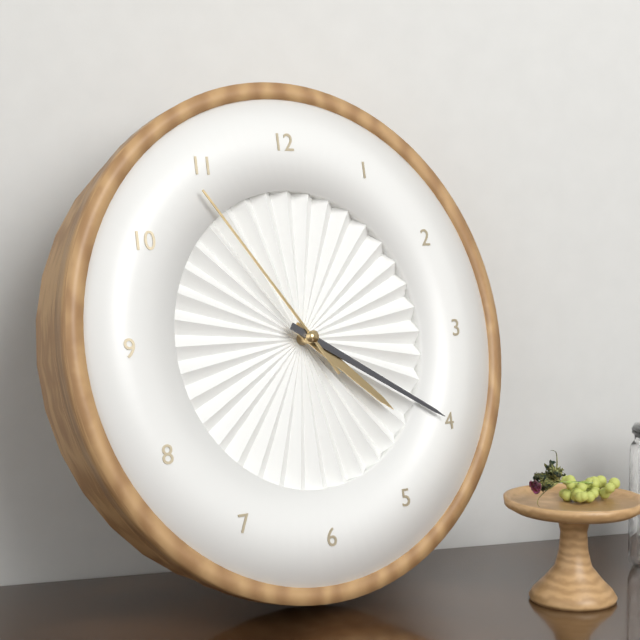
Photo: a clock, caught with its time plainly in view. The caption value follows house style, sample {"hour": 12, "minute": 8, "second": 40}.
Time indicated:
{"hour": 4, "minute": 20, "second": 54}
